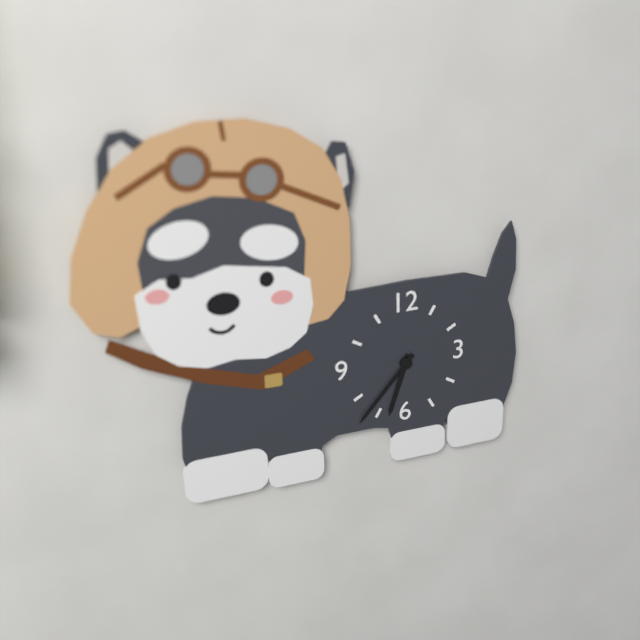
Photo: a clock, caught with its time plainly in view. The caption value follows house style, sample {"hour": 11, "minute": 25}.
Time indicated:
{"hour": 6, "minute": 37}
